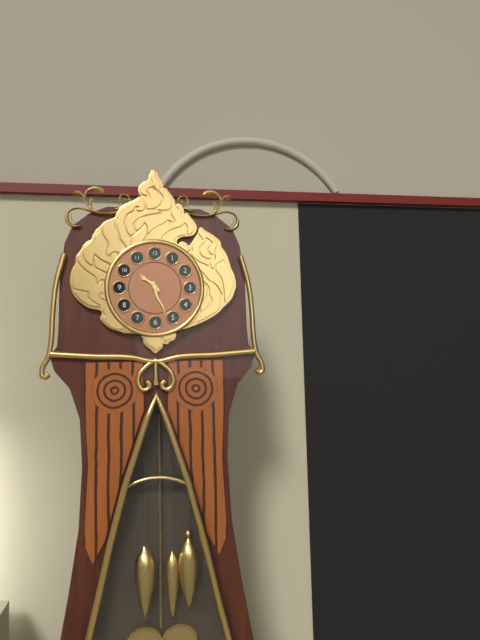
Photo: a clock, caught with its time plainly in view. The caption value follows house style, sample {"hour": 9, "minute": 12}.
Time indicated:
{"hour": 10, "minute": 27}
